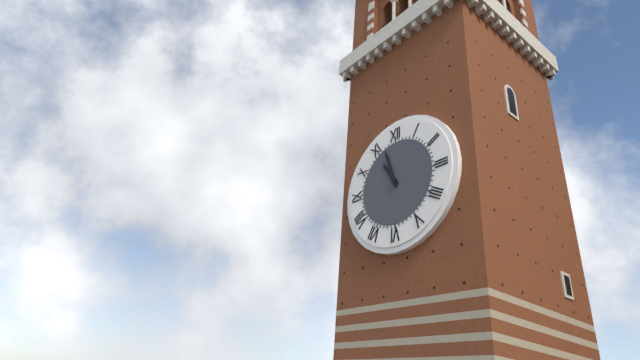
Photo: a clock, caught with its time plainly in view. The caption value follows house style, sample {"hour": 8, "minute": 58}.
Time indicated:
{"hour": 10, "minute": 57}
